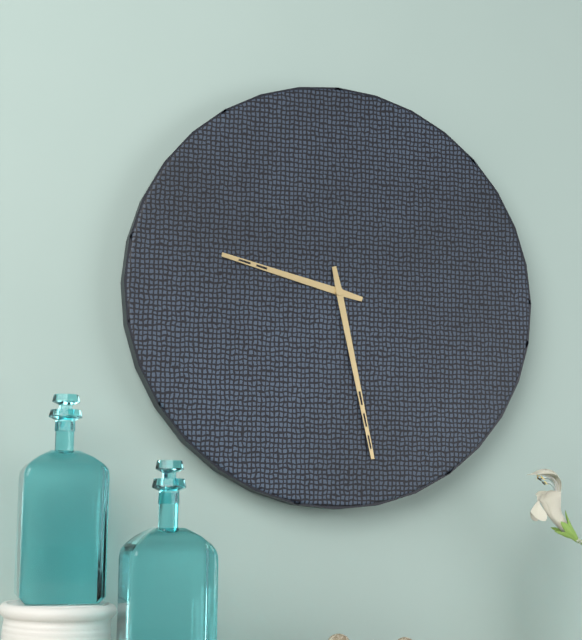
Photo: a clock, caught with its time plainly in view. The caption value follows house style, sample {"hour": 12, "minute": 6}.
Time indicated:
{"hour": 9, "minute": 28}
